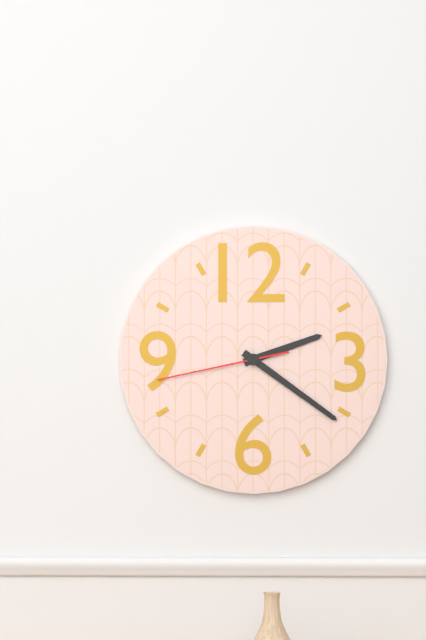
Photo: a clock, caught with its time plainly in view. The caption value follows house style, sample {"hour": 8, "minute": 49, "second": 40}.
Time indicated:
{"hour": 2, "minute": 21, "second": 43}
